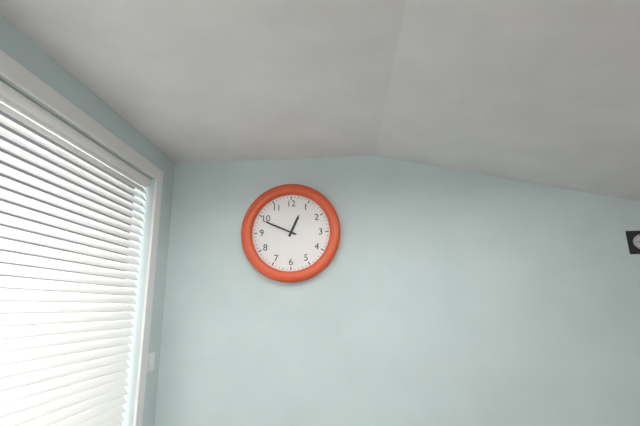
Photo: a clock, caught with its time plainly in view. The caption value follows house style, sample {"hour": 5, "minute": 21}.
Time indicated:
{"hour": 12, "minute": 49}
